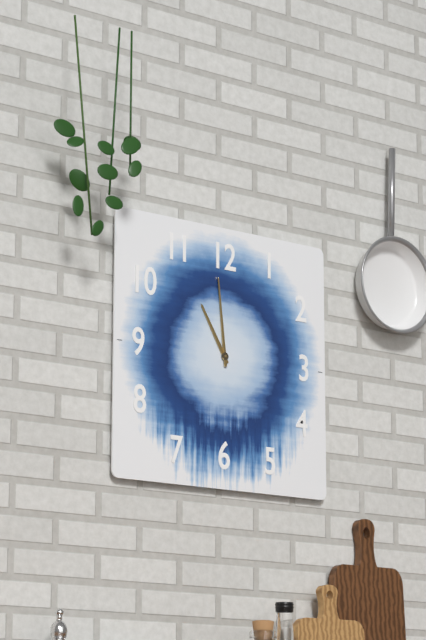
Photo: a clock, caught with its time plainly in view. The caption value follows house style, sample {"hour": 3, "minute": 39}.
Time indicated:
{"hour": 10, "minute": 59}
